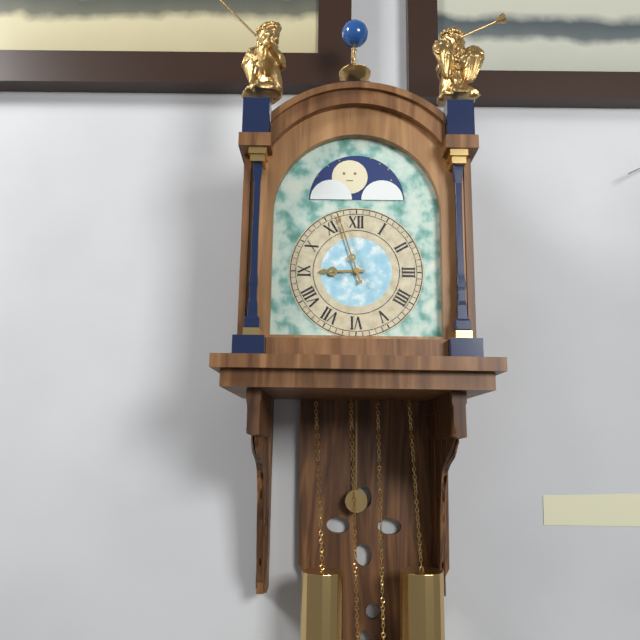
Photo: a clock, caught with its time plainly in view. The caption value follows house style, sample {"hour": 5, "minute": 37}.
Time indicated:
{"hour": 8, "minute": 57}
